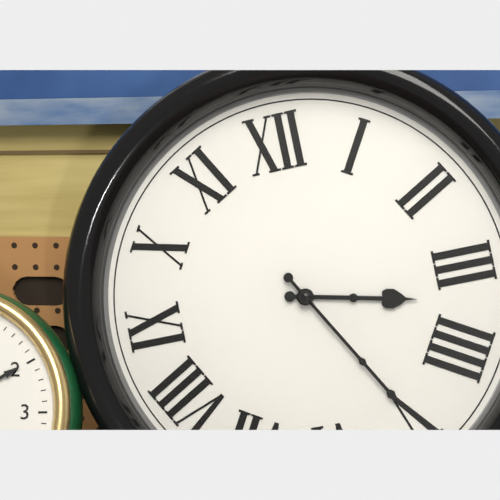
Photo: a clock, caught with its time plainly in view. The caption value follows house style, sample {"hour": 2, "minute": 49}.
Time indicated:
{"hour": 3, "minute": 25}
